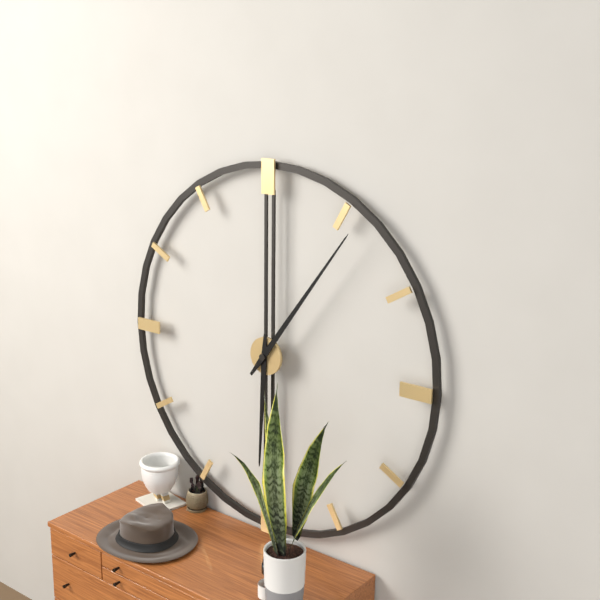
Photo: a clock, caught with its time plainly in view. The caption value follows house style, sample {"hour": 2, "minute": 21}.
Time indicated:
{"hour": 6, "minute": 6}
